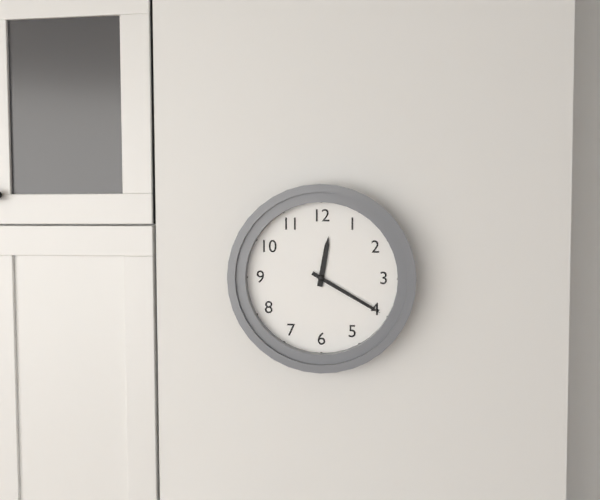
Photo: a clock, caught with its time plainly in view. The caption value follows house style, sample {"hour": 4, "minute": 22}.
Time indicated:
{"hour": 12, "minute": 20}
